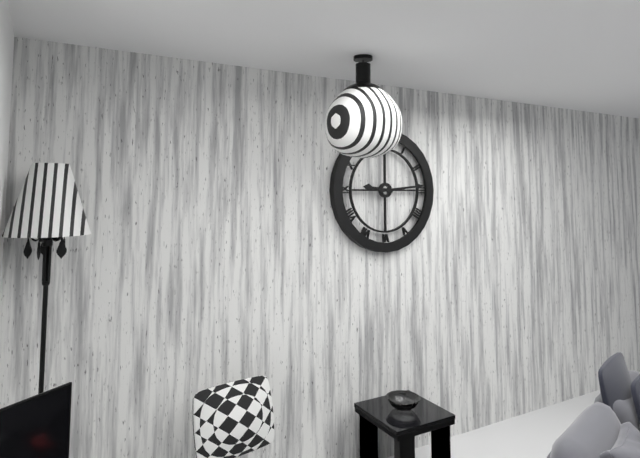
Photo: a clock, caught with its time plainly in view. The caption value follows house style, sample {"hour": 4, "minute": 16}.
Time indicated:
{"hour": 9, "minute": 14}
